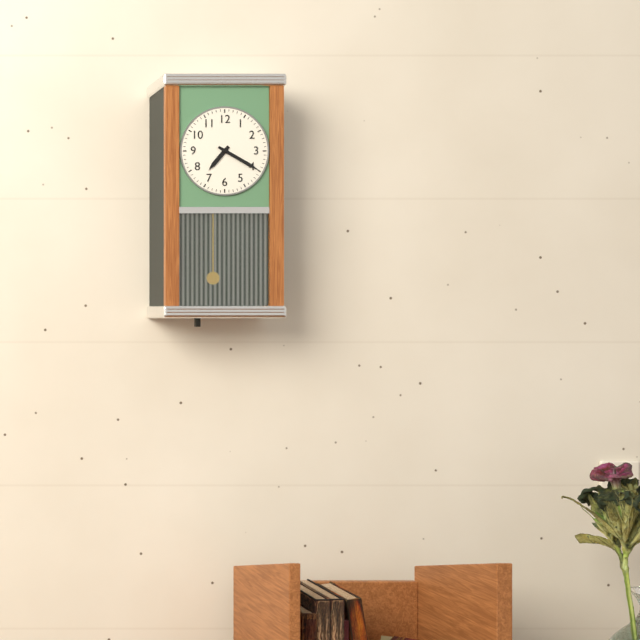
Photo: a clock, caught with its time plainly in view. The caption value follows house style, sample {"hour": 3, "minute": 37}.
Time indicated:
{"hour": 7, "minute": 20}
